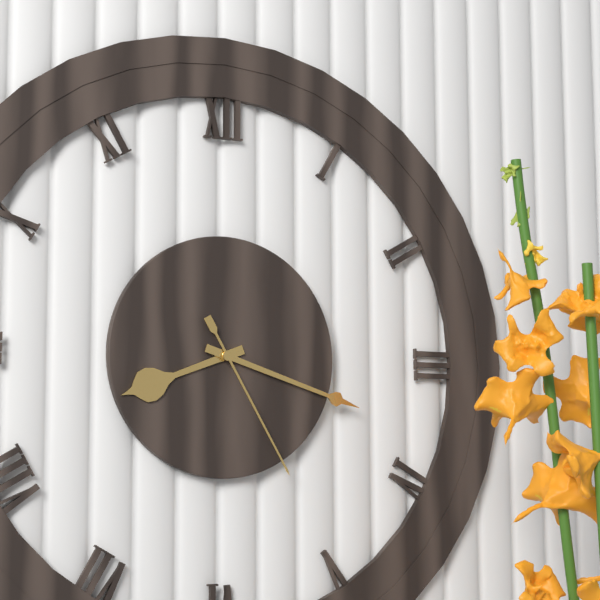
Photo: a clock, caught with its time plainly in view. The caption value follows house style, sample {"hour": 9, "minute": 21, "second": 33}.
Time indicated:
{"hour": 8, "minute": 18, "second": 25}
